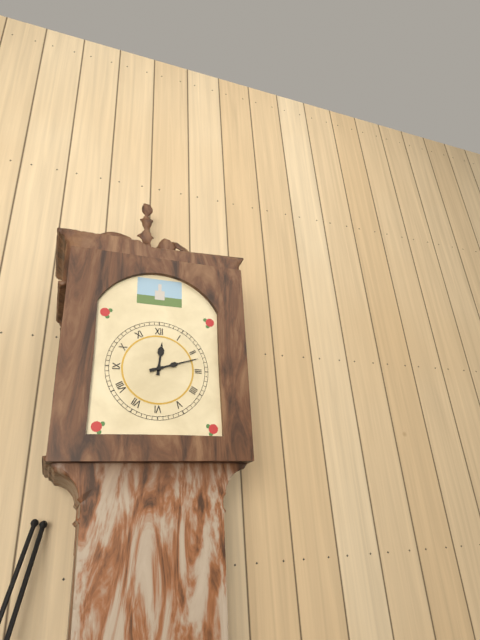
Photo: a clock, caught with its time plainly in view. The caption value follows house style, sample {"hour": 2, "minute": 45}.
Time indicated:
{"hour": 12, "minute": 12}
